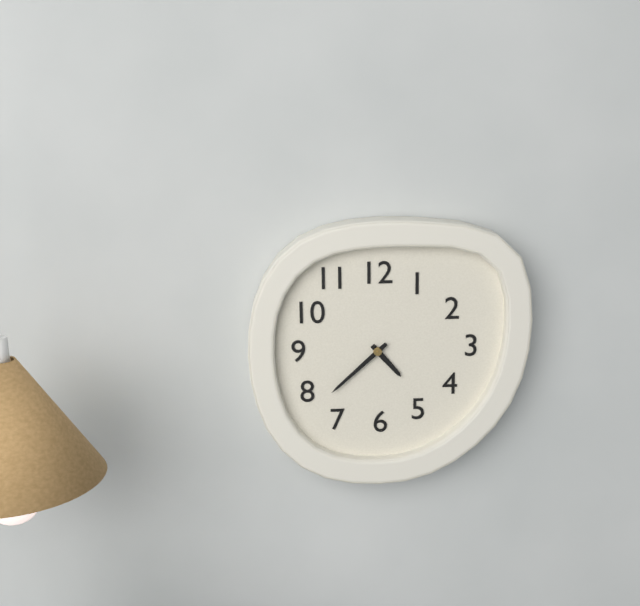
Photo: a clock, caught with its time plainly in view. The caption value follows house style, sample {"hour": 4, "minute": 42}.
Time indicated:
{"hour": 4, "minute": 38}
